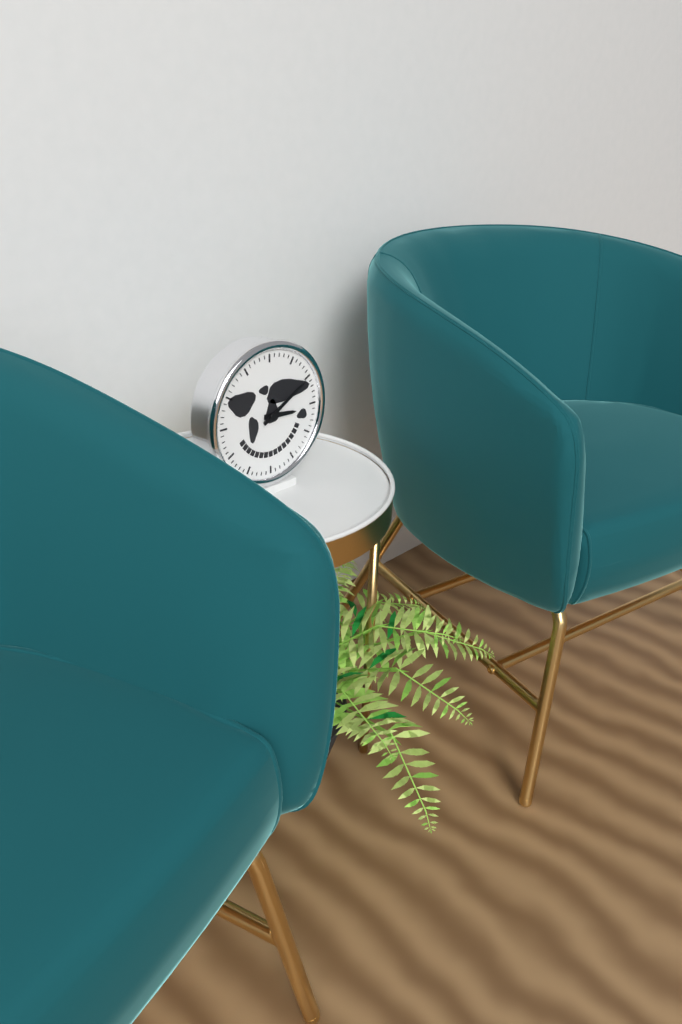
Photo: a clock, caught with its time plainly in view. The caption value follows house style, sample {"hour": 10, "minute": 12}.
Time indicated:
{"hour": 3, "minute": 10}
